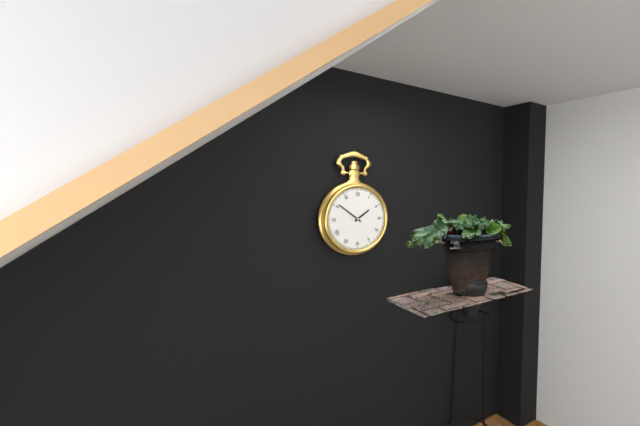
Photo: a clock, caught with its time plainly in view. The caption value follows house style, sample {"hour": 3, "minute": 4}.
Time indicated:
{"hour": 1, "minute": 51}
